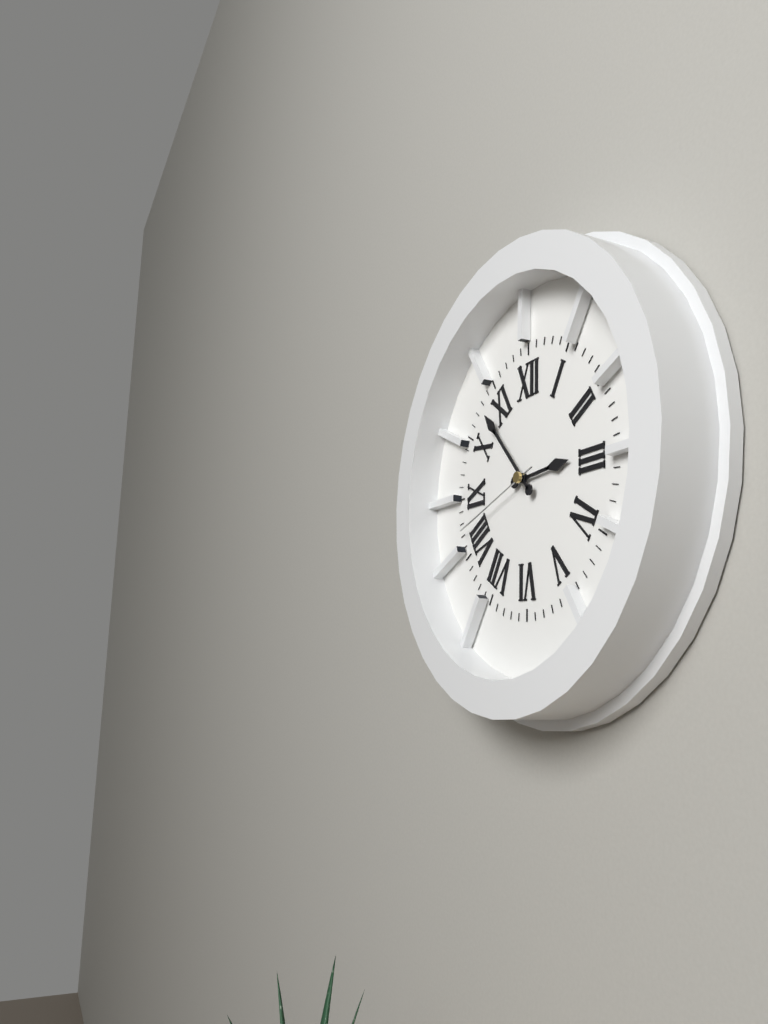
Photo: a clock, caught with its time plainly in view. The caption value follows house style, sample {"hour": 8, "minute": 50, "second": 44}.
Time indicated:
{"hour": 2, "minute": 53, "second": 42}
